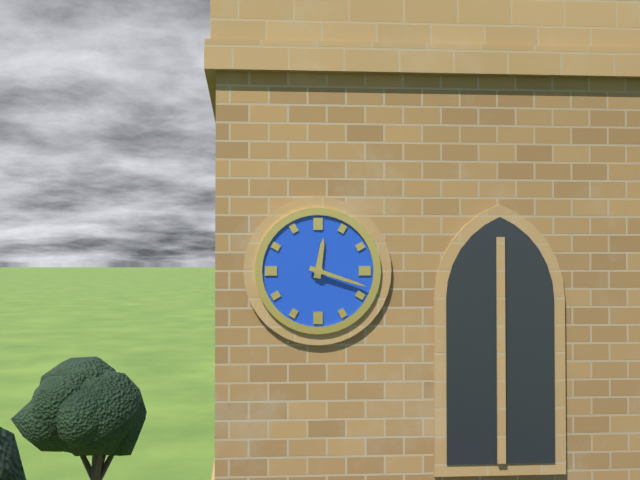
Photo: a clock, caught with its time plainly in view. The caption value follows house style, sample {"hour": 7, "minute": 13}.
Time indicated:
{"hour": 12, "minute": 18}
